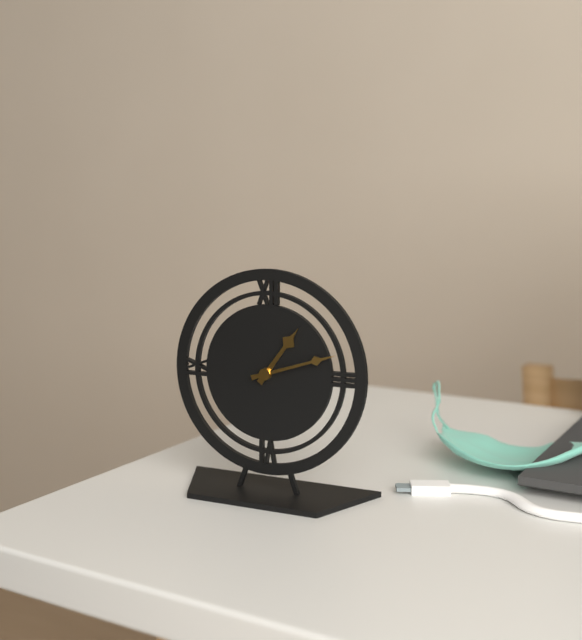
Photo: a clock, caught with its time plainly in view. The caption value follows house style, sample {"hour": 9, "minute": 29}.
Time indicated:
{"hour": 1, "minute": 12}
